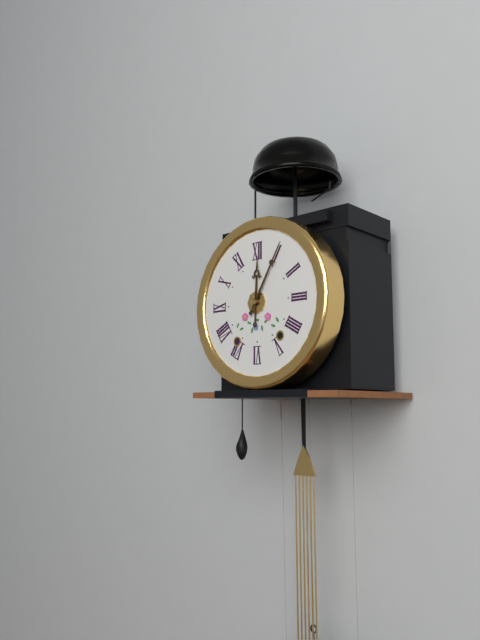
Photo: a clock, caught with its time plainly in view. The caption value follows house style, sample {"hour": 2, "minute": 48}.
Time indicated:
{"hour": 12, "minute": 5}
